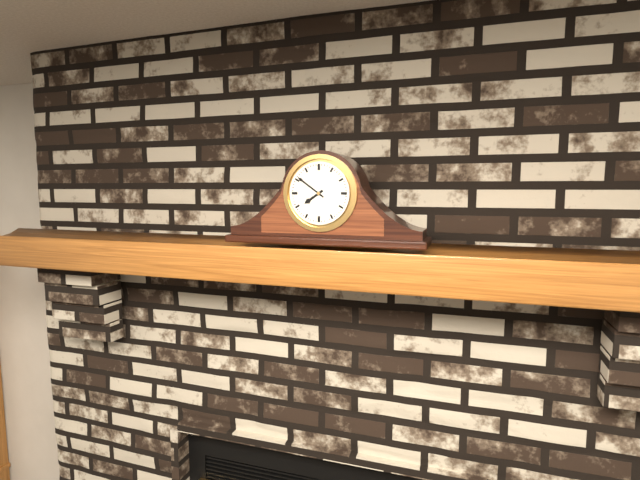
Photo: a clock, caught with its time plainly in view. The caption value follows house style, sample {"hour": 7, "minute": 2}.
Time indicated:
{"hour": 7, "minute": 51}
